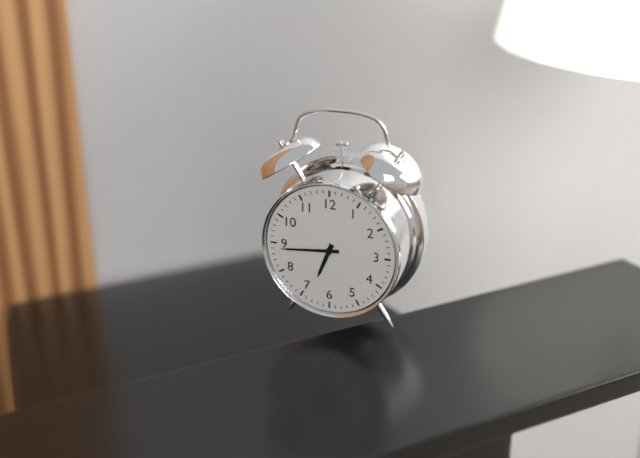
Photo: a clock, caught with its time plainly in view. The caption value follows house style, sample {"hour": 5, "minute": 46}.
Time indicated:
{"hour": 6, "minute": 44}
